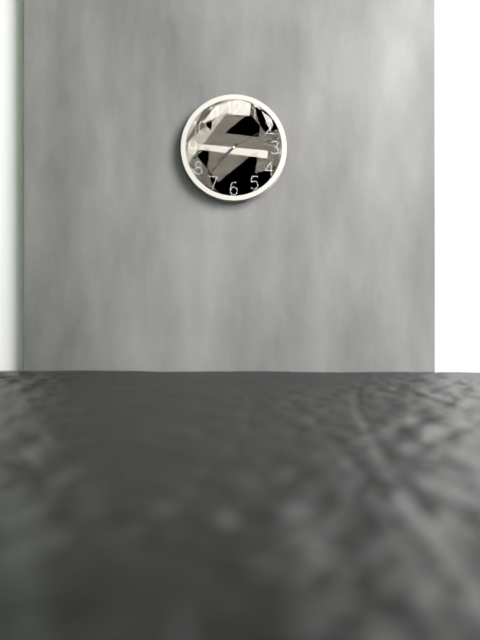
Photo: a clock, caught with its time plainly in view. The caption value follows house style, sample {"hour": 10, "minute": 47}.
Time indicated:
{"hour": 7, "minute": 37}
